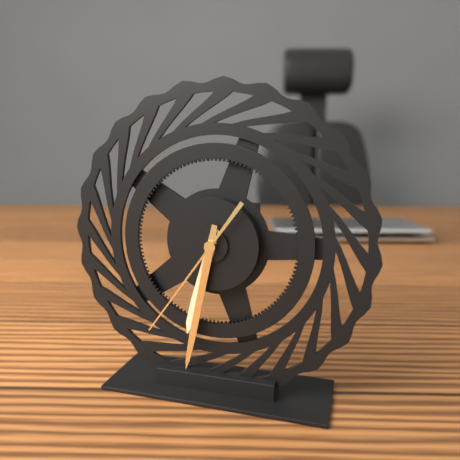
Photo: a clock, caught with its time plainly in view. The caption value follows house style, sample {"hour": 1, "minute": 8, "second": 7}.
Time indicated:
{"hour": 6, "minute": 32, "second": 36}
